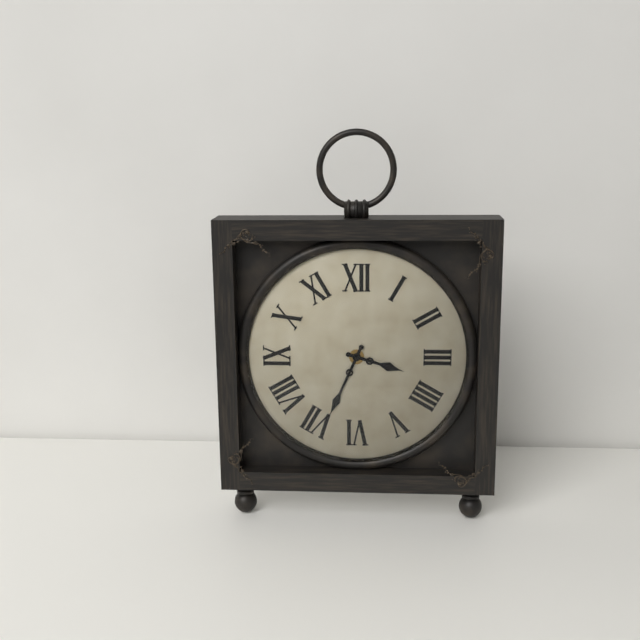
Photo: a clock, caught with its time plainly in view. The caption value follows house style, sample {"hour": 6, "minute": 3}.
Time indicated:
{"hour": 3, "minute": 34}
